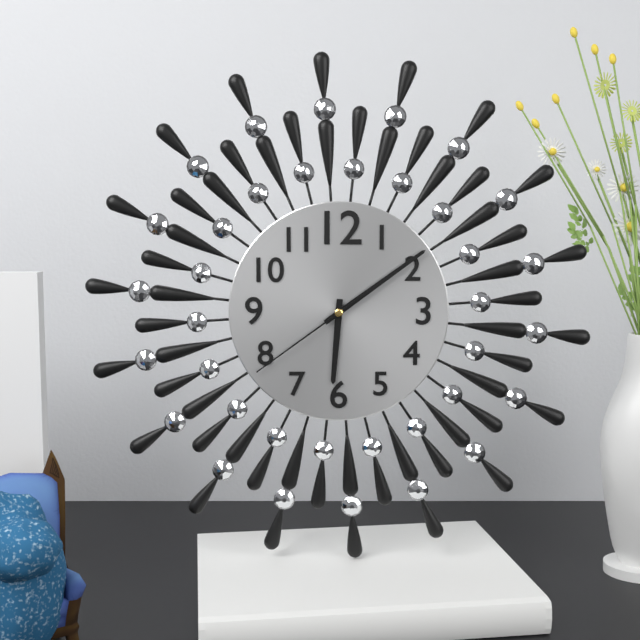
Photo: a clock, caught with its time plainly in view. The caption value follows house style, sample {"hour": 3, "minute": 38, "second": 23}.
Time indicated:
{"hour": 6, "minute": 9, "second": 39}
